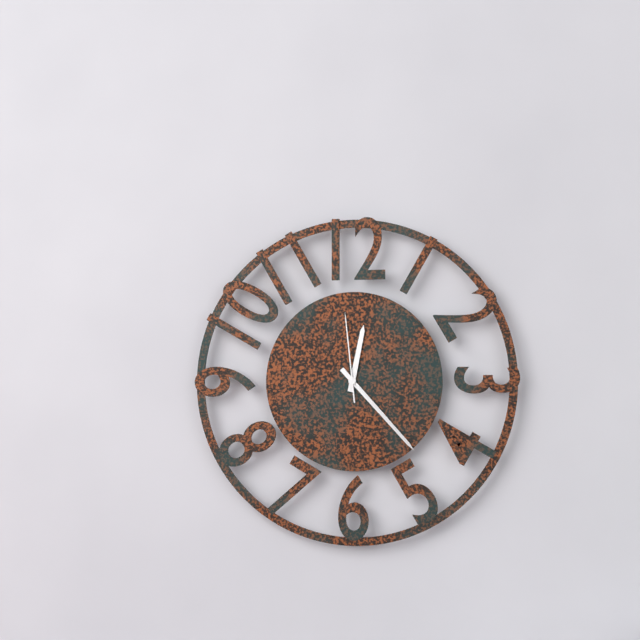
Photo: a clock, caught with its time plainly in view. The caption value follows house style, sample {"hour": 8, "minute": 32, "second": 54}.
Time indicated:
{"hour": 12, "minute": 23, "second": 59}
